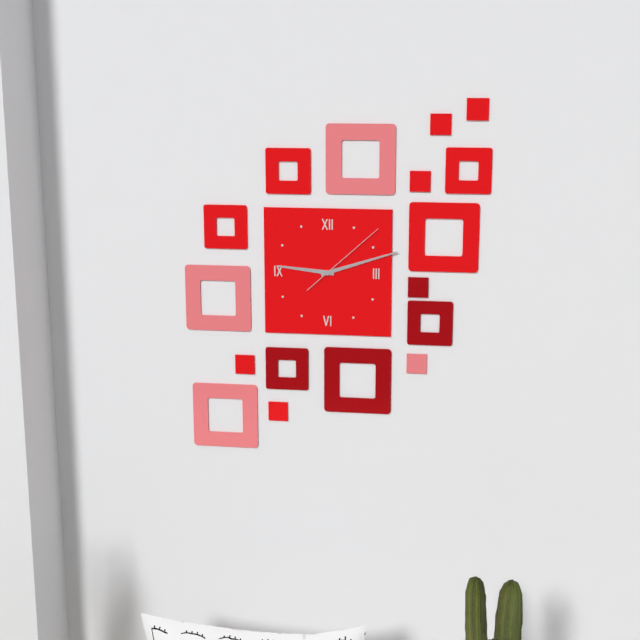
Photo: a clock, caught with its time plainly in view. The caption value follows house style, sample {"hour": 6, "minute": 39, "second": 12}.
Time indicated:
{"hour": 9, "minute": 12, "second": 8}
